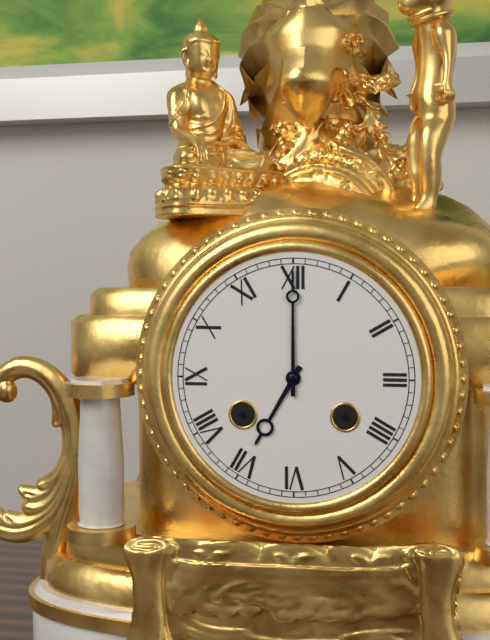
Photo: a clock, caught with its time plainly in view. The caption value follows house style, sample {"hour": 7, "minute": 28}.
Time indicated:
{"hour": 7, "minute": 0}
